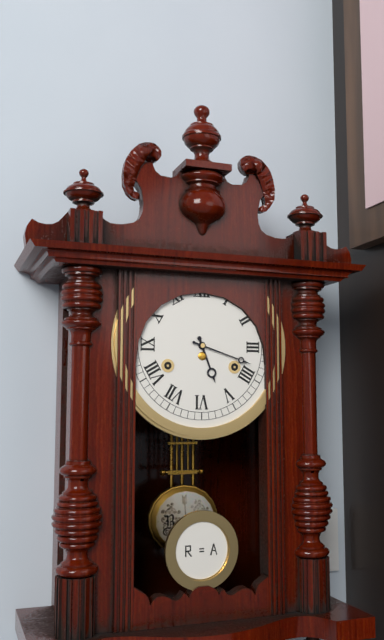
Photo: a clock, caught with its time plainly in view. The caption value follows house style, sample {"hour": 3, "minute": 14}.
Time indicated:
{"hour": 5, "minute": 18}
